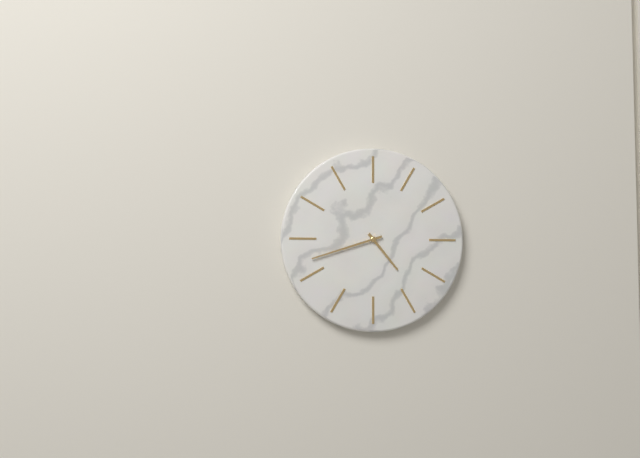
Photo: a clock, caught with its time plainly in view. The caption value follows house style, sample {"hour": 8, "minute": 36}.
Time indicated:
{"hour": 4, "minute": 42}
